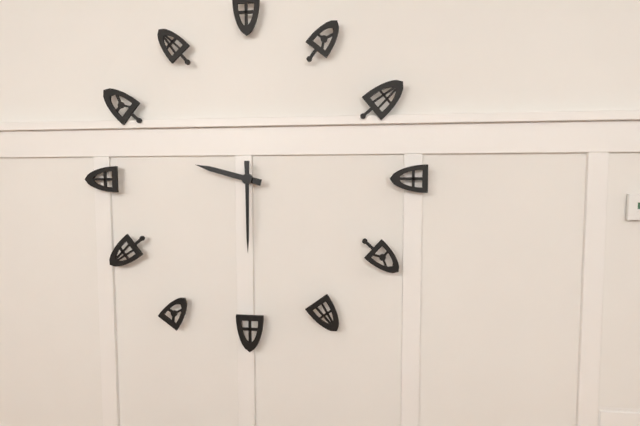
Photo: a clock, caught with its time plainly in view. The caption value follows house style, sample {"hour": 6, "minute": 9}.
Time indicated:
{"hour": 9, "minute": 30}
